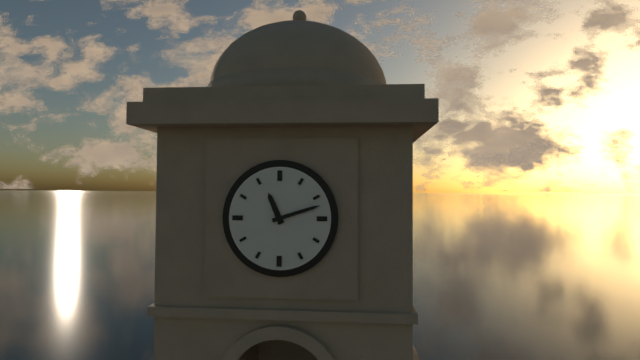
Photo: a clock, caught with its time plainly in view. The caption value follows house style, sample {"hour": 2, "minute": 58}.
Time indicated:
{"hour": 11, "minute": 12}
